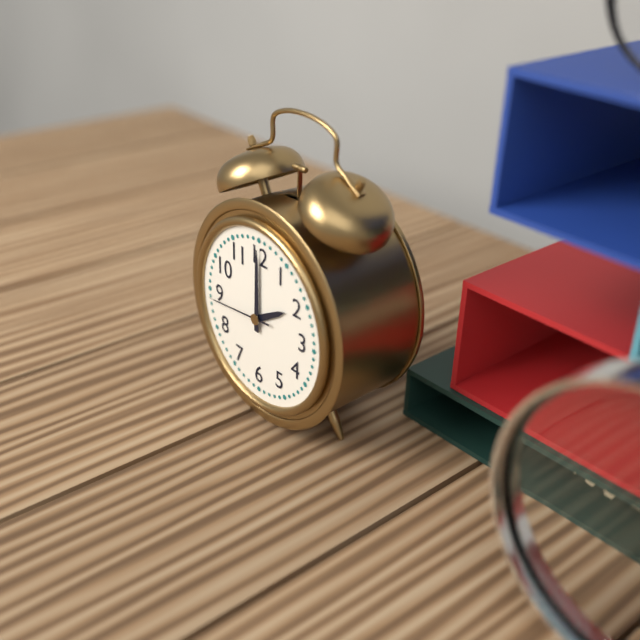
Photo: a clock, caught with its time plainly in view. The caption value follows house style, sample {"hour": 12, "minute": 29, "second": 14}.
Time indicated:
{"hour": 2, "minute": 0, "second": 44}
